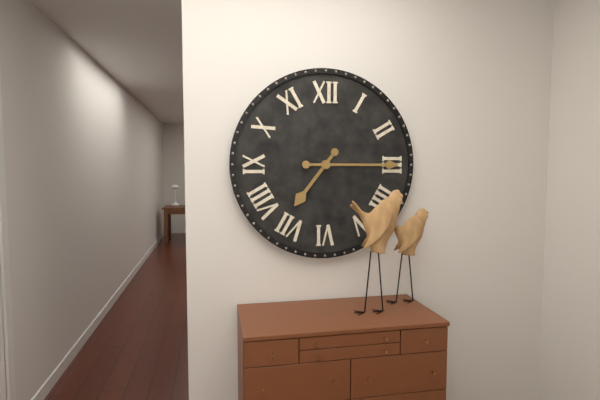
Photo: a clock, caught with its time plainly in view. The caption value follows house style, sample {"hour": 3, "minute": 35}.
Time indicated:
{"hour": 7, "minute": 15}
